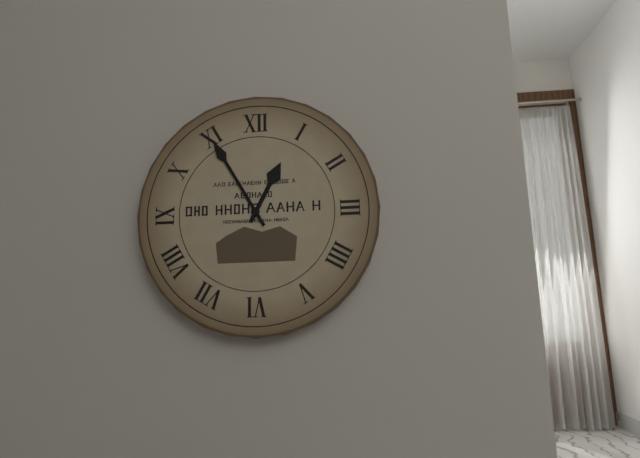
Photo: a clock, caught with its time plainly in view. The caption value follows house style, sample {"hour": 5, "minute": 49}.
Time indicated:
{"hour": 12, "minute": 55}
